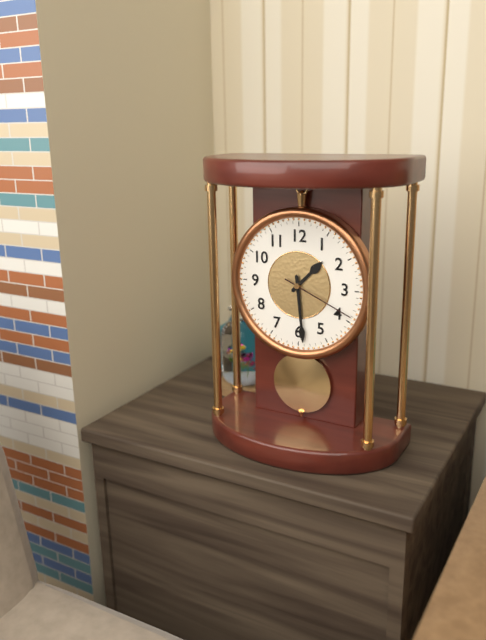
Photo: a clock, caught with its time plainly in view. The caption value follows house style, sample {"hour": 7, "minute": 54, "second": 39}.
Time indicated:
{"hour": 1, "minute": 29, "second": 19}
